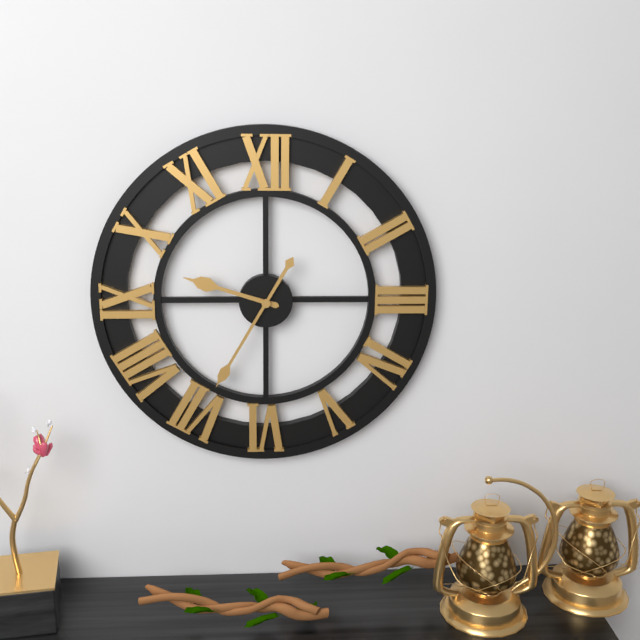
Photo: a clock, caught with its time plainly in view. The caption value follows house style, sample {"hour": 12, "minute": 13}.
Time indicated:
{"hour": 9, "minute": 35}
